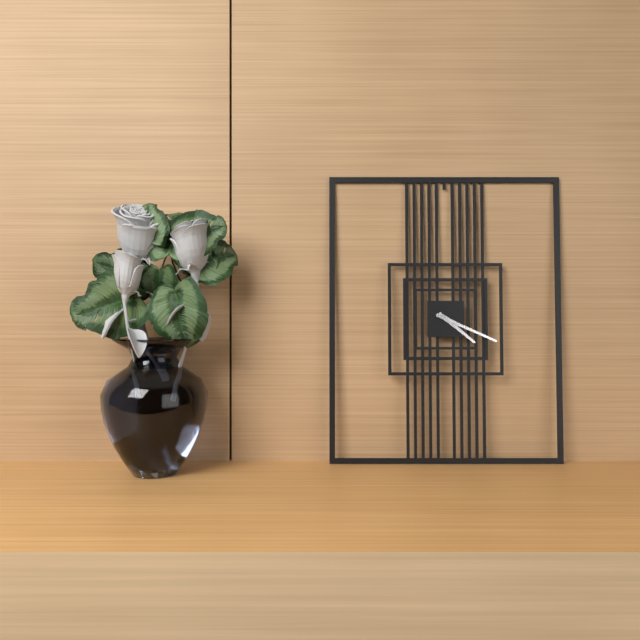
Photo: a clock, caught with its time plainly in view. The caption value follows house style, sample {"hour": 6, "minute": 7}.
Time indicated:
{"hour": 4, "minute": 19}
